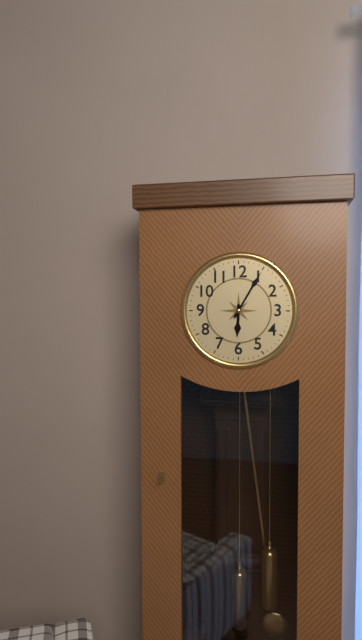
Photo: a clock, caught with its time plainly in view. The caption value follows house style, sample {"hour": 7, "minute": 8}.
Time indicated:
{"hour": 6, "minute": 5}
